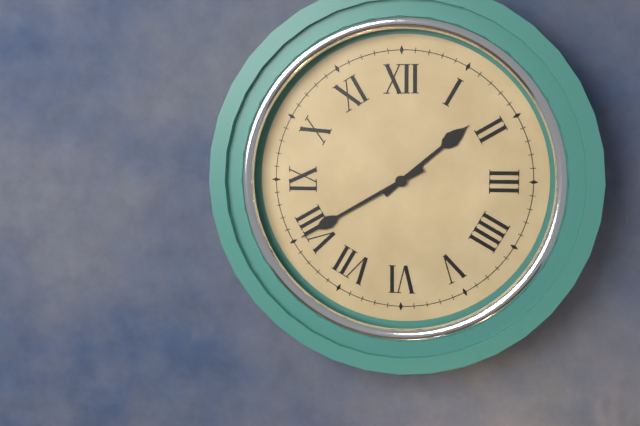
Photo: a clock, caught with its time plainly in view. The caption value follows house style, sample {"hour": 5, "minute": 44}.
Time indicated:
{"hour": 1, "minute": 40}
